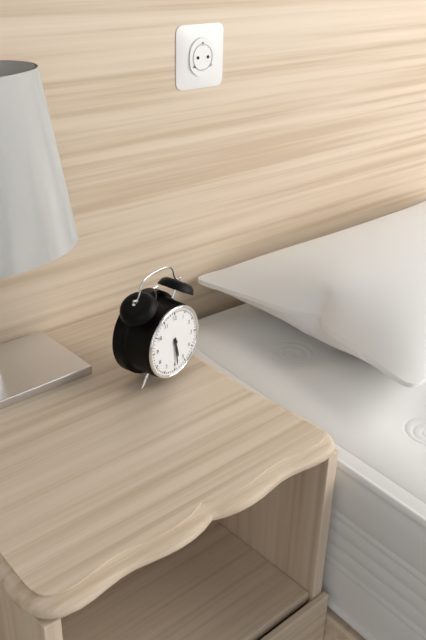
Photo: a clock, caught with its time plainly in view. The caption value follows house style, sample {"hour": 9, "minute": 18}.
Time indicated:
{"hour": 5, "minute": 29}
